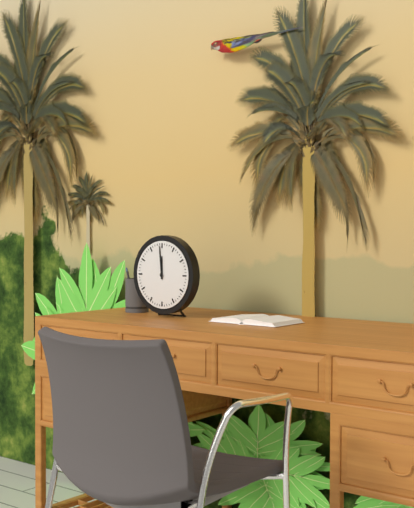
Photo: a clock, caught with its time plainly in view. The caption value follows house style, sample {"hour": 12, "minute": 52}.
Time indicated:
{"hour": 11, "minute": 59}
